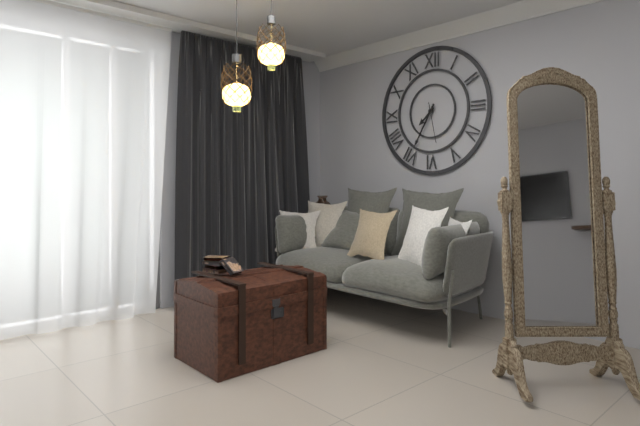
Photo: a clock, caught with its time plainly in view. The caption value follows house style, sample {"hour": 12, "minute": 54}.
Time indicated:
{"hour": 7, "minute": 35}
